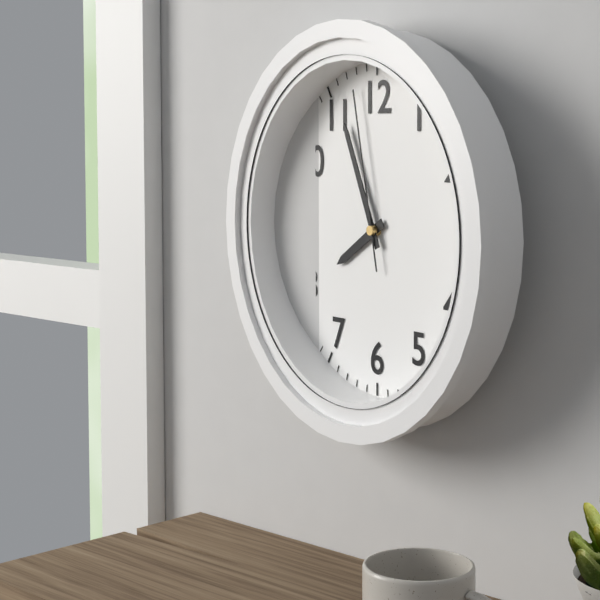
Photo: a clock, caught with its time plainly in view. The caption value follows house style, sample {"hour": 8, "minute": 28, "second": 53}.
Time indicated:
{"hour": 7, "minute": 56, "second": 58}
